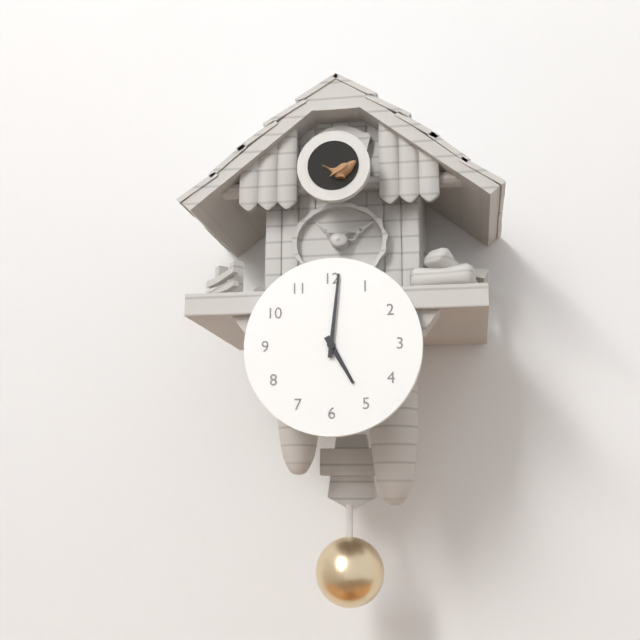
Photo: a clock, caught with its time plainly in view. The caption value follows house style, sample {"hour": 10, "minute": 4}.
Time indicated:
{"hour": 5, "minute": 1}
